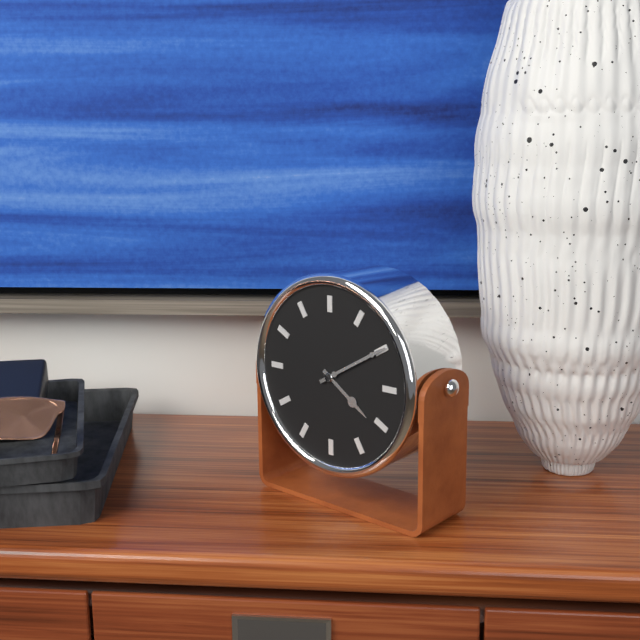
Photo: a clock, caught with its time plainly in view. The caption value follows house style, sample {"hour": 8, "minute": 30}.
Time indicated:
{"hour": 4, "minute": 10}
